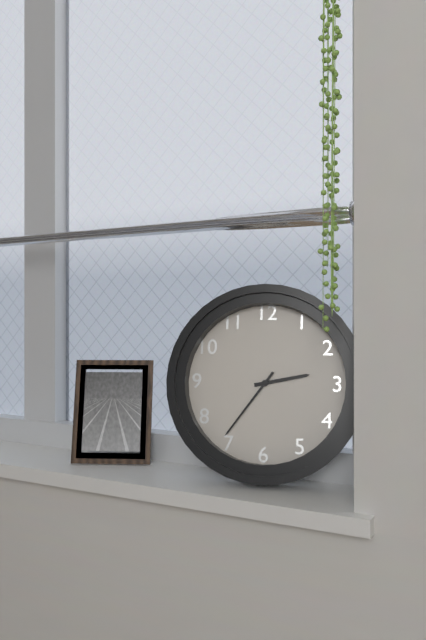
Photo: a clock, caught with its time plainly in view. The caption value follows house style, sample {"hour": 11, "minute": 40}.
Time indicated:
{"hour": 2, "minute": 36}
